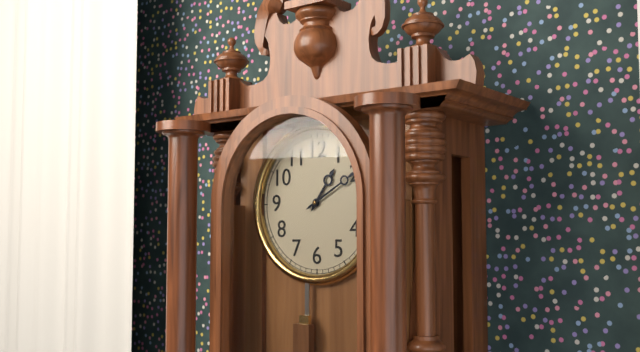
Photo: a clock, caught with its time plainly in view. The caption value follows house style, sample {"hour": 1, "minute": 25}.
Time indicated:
{"hour": 1, "minute": 10}
